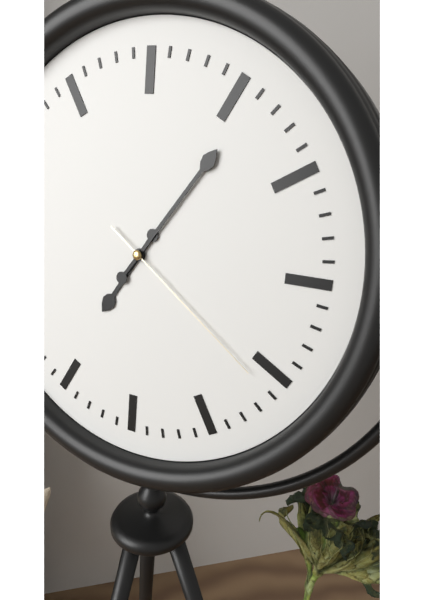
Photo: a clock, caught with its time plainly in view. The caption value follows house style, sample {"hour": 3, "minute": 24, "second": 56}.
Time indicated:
{"hour": 7, "minute": 6, "second": 21}
